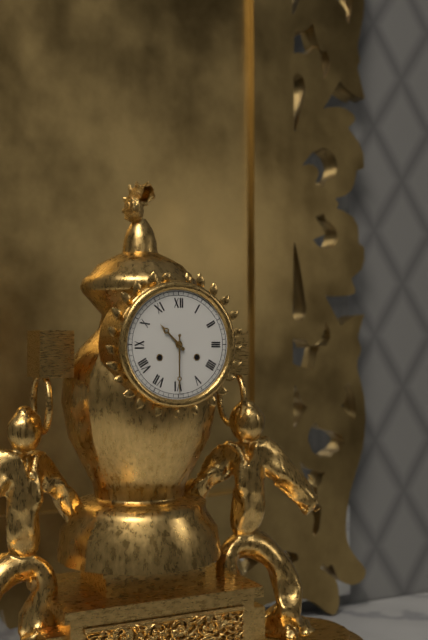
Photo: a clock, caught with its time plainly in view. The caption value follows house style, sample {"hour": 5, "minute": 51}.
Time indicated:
{"hour": 10, "minute": 30}
